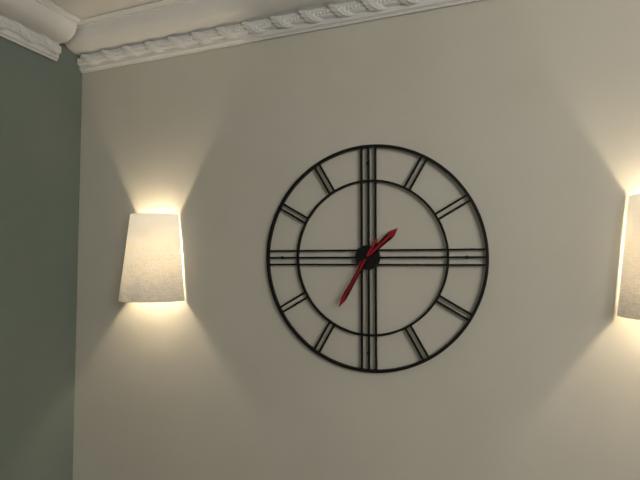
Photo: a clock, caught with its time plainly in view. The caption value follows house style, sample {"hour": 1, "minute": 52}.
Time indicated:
{"hour": 1, "minute": 35}
